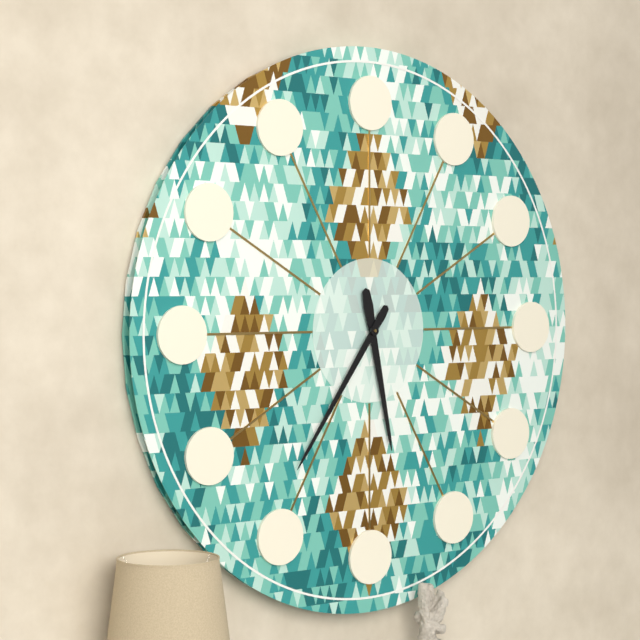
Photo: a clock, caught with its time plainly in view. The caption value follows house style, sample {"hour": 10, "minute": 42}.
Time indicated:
{"hour": 5, "minute": 36}
